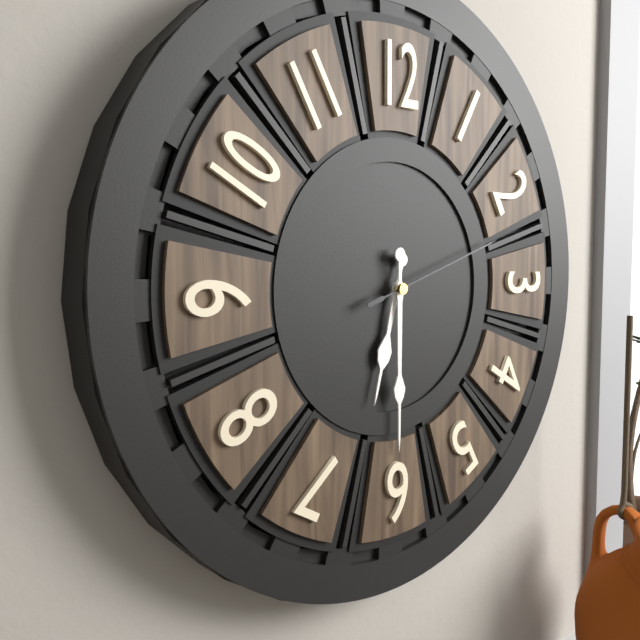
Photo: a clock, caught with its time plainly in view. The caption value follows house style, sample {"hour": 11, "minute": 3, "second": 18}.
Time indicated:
{"hour": 6, "minute": 30, "second": 12}
